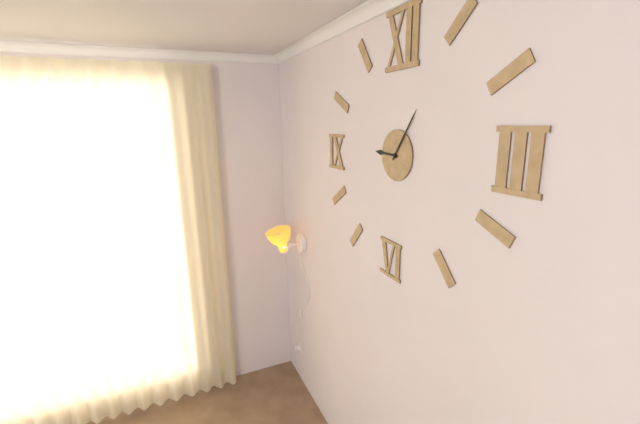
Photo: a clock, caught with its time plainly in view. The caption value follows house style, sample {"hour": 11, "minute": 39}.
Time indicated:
{"hour": 9, "minute": 6}
